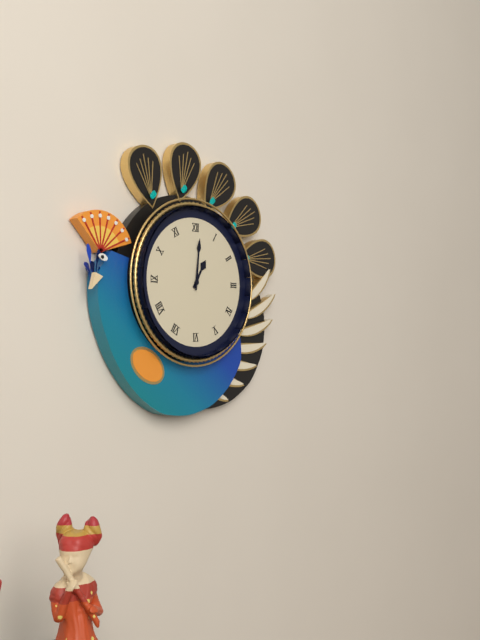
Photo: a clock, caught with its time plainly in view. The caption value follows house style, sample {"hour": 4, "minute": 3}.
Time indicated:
{"hour": 1, "minute": 1}
